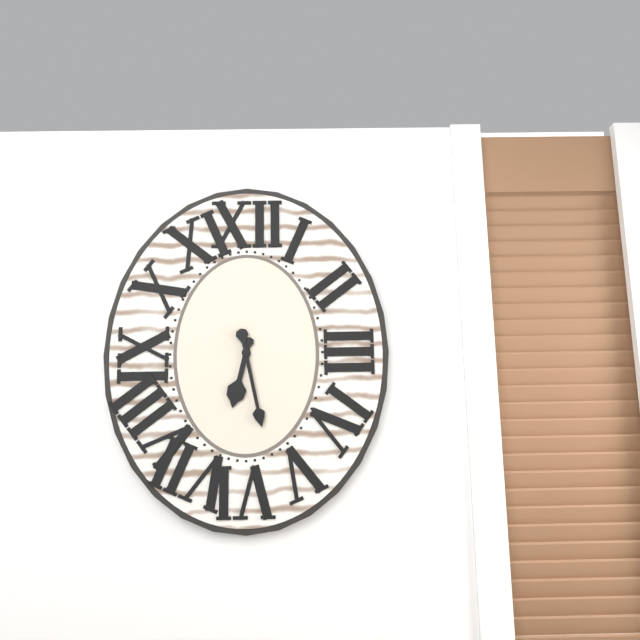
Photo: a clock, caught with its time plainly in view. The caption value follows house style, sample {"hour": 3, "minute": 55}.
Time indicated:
{"hour": 6, "minute": 28}
